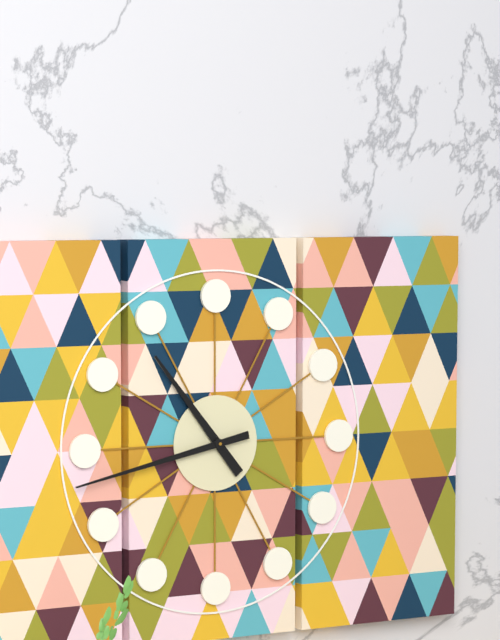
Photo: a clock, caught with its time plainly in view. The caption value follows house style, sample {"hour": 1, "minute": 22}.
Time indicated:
{"hour": 10, "minute": 43}
